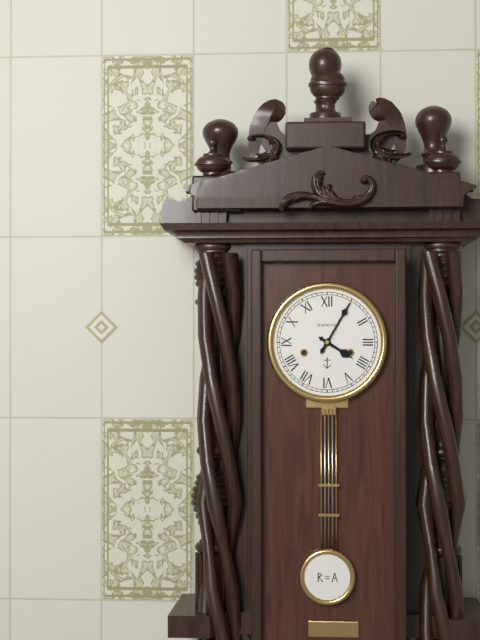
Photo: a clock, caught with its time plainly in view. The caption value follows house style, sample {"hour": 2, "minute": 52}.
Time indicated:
{"hour": 4, "minute": 5}
